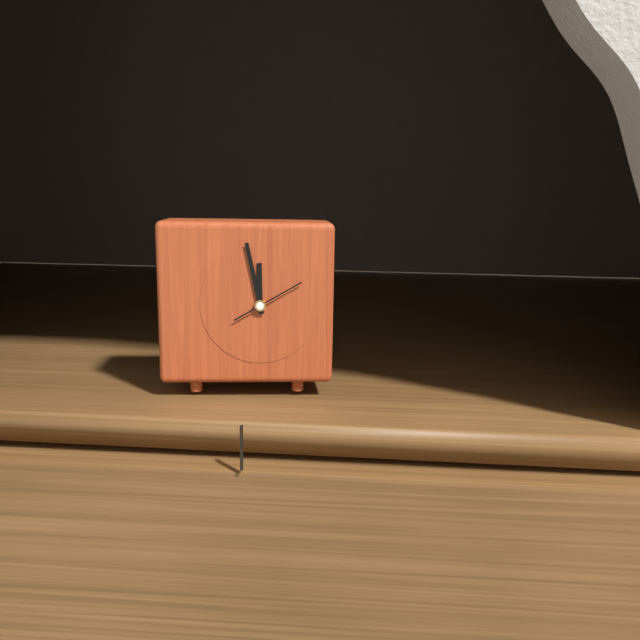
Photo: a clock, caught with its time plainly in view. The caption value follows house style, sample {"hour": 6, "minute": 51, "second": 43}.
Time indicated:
{"hour": 11, "minute": 58, "second": 10}
